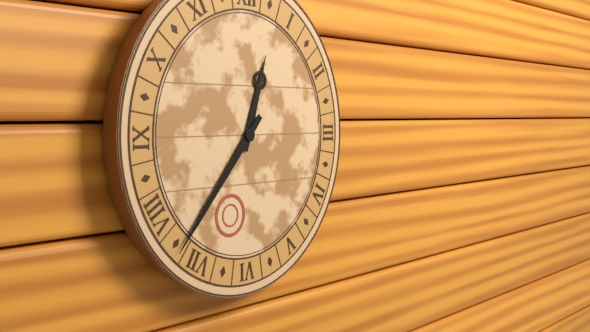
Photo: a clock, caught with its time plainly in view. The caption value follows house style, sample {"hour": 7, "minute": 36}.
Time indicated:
{"hour": 12, "minute": 37}
